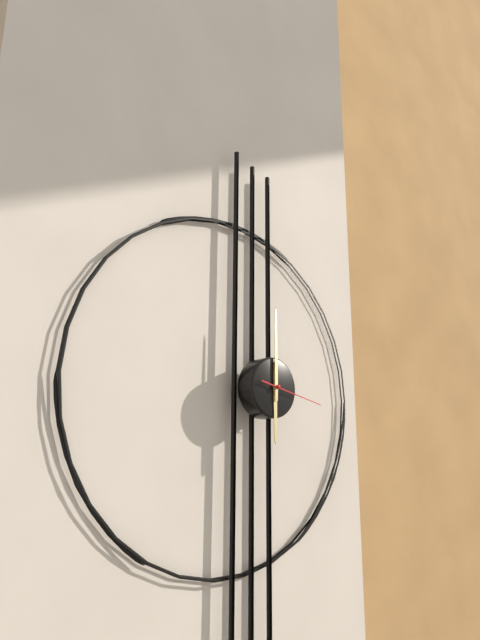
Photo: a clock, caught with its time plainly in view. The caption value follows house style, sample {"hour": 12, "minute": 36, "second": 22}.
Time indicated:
{"hour": 6, "minute": 0, "second": 17}
